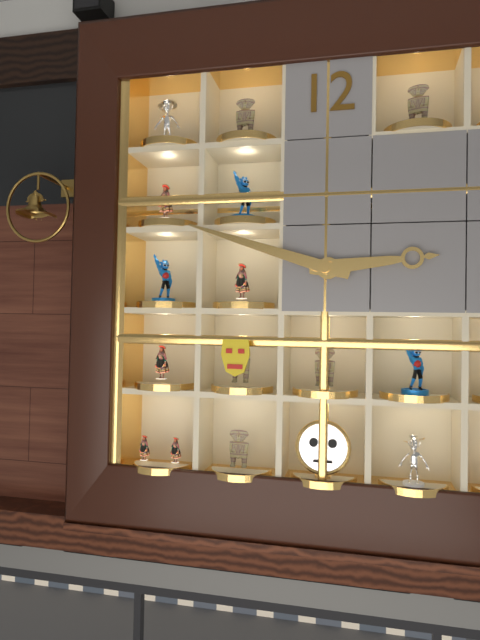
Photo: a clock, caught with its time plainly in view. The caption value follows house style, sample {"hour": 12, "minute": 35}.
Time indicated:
{"hour": 2, "minute": 48}
